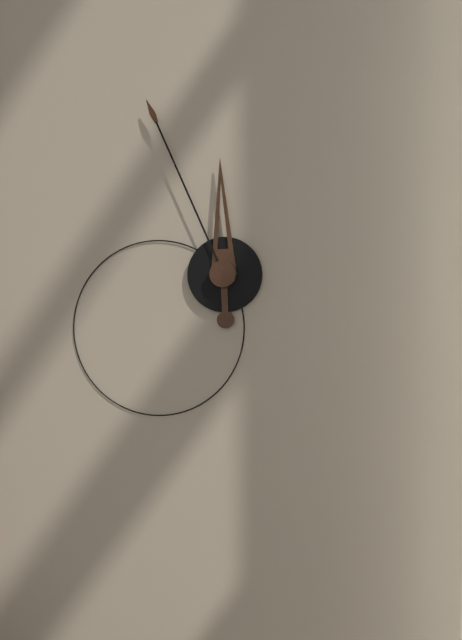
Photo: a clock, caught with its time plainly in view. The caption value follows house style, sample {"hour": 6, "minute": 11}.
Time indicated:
{"hour": 11, "minute": 56}
